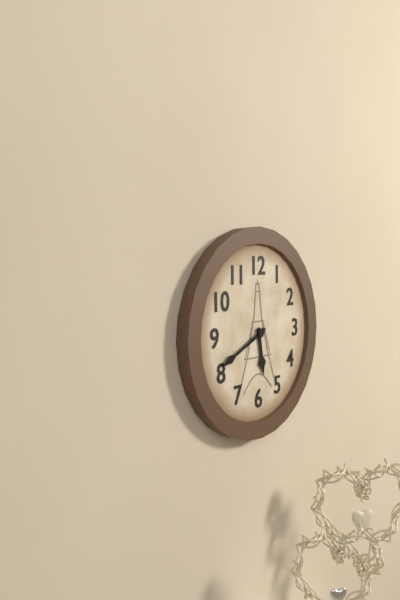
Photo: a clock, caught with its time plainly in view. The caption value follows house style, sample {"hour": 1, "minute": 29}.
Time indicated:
{"hour": 5, "minute": 41}
